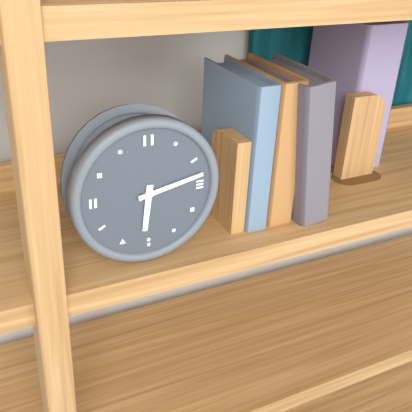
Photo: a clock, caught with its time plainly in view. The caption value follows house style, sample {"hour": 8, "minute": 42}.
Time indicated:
{"hour": 6, "minute": 13}
